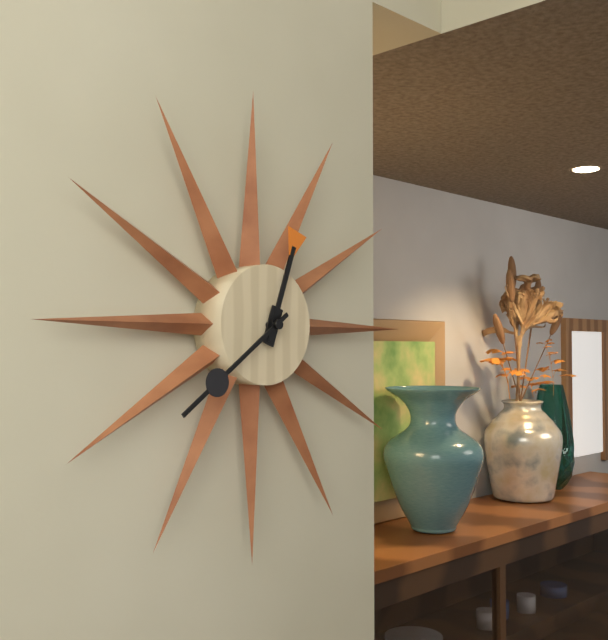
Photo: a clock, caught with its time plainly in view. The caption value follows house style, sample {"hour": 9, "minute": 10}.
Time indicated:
{"hour": 12, "minute": 39}
